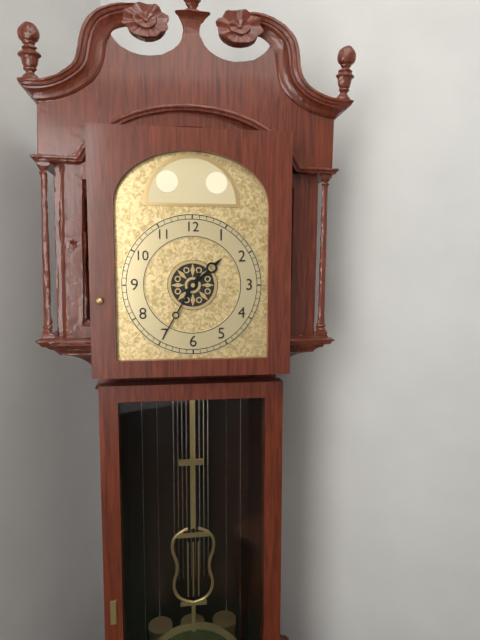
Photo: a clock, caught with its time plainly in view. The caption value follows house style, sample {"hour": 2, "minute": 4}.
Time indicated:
{"hour": 1, "minute": 35}
